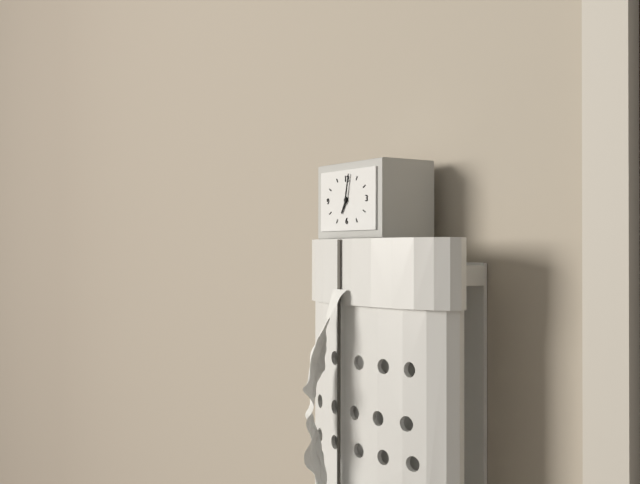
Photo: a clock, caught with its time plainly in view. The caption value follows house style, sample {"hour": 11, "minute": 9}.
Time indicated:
{"hour": 7, "minute": 2}
